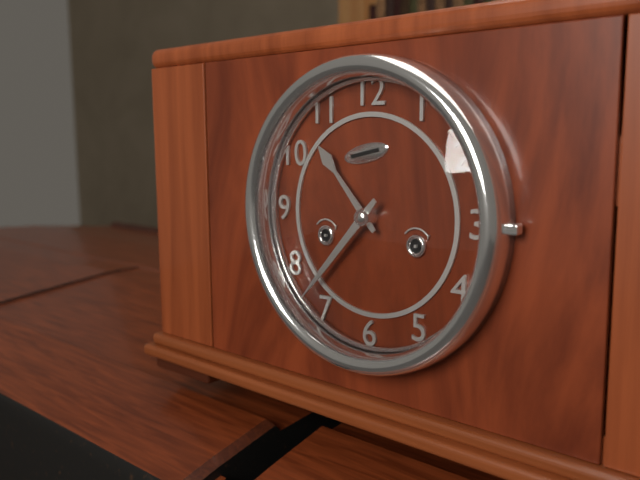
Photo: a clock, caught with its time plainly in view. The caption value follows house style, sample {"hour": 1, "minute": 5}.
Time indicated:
{"hour": 10, "minute": 37}
